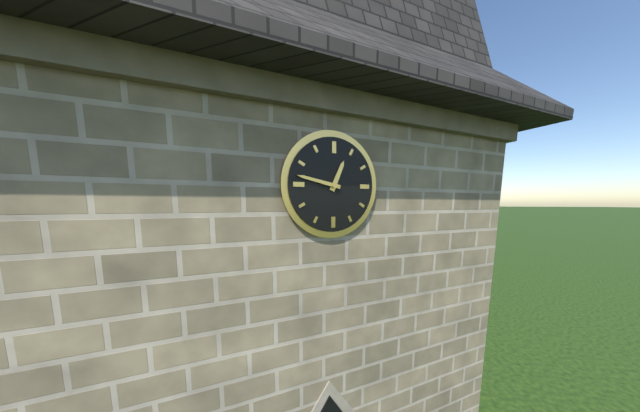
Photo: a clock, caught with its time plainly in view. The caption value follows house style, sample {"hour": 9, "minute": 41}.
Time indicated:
{"hour": 12, "minute": 47}
